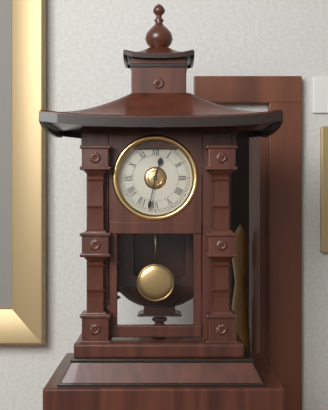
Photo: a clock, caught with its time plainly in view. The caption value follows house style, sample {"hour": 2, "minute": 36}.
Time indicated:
{"hour": 12, "minute": 32}
